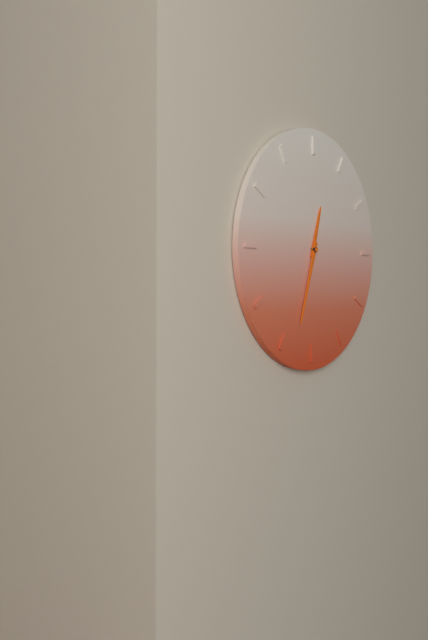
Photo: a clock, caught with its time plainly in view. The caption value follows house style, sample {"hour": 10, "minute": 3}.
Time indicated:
{"hour": 12, "minute": 33}
